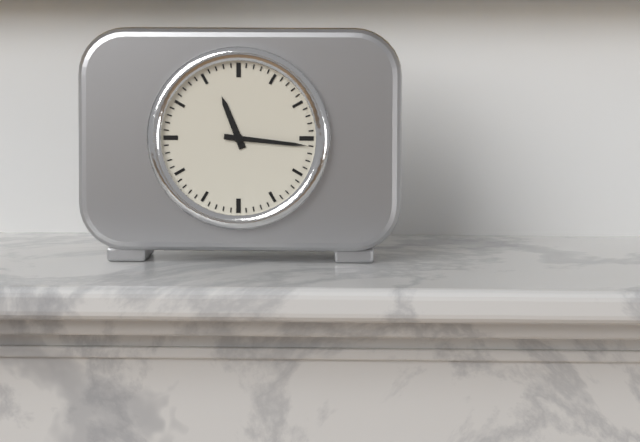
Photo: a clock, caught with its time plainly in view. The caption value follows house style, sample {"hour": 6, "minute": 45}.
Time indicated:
{"hour": 11, "minute": 16}
